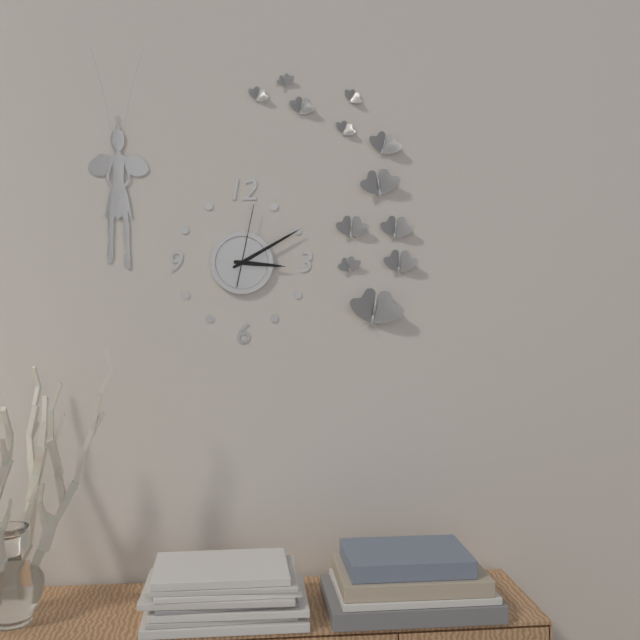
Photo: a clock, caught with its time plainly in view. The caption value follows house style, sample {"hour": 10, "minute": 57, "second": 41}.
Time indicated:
{"hour": 3, "minute": 10, "second": 2}
